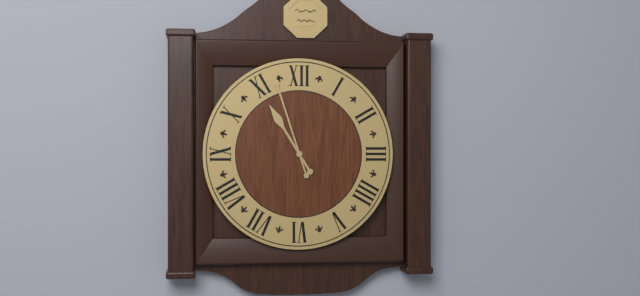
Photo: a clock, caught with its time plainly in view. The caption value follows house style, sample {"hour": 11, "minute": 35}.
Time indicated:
{"hour": 10, "minute": 57}
